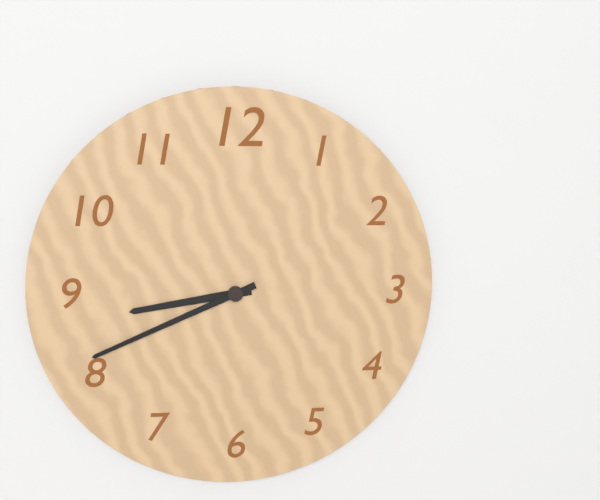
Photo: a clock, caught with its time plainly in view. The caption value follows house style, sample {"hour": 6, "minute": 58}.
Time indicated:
{"hour": 8, "minute": 41}
